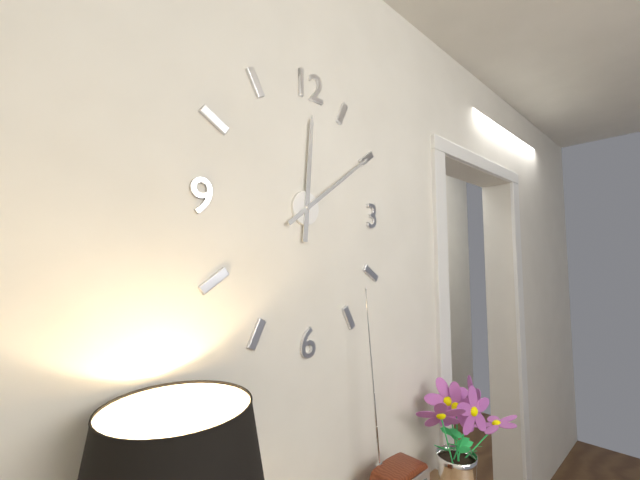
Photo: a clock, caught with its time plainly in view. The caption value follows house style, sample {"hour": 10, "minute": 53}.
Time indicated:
{"hour": 12, "minute": 9}
